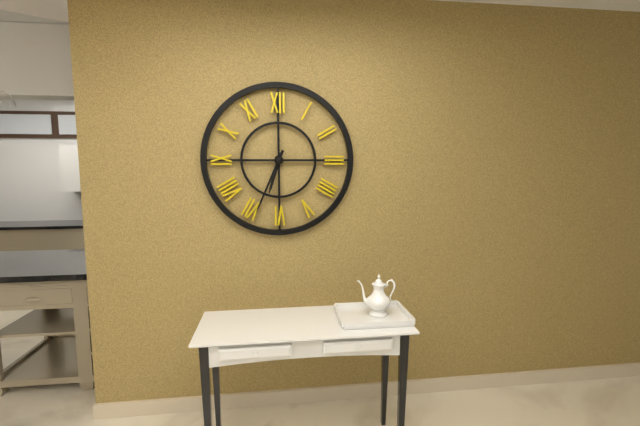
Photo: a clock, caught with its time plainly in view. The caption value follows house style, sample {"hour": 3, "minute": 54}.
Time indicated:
{"hour": 6, "minute": 34}
